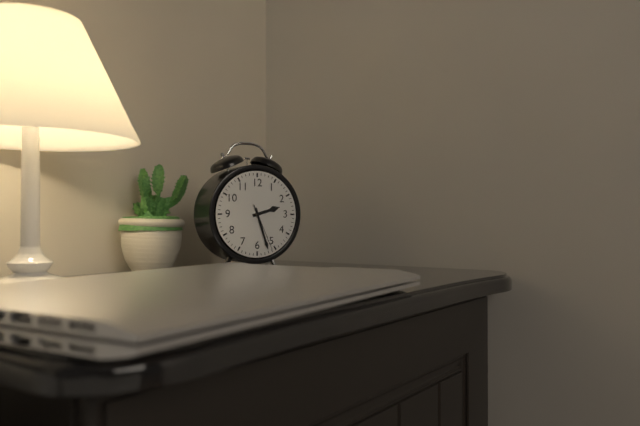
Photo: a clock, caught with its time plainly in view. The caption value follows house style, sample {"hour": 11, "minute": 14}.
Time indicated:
{"hour": 2, "minute": 27}
